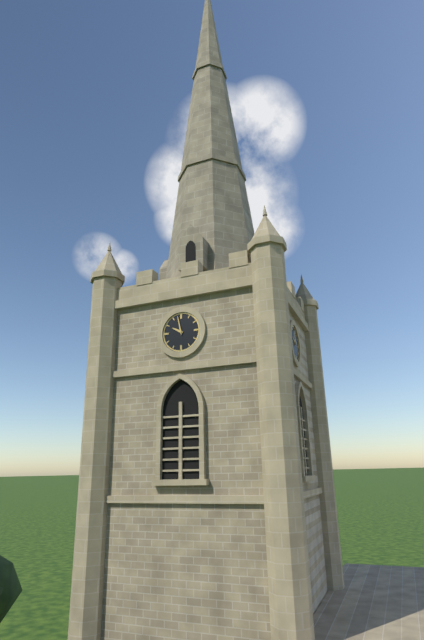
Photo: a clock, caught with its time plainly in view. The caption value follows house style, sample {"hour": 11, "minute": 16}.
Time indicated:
{"hour": 9, "minute": 58}
